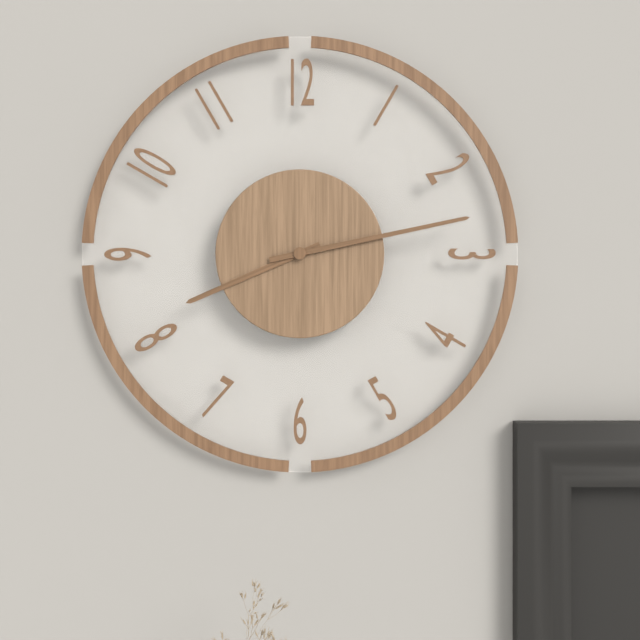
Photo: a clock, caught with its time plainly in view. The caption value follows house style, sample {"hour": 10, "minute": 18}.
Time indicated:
{"hour": 8, "minute": 13}
